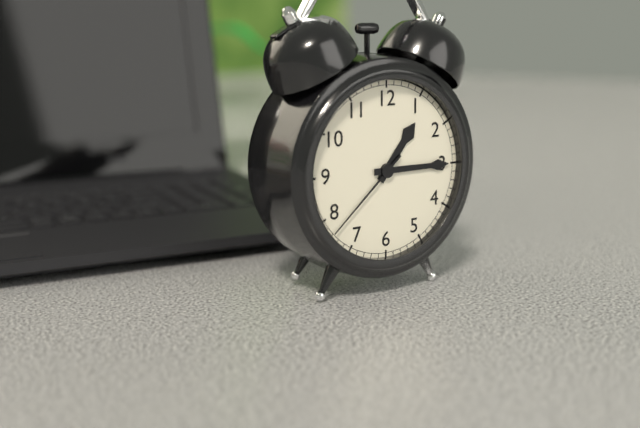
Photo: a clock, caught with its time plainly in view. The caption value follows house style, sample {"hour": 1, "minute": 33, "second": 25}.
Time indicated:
{"hour": 1, "minute": 15, "second": 38}
